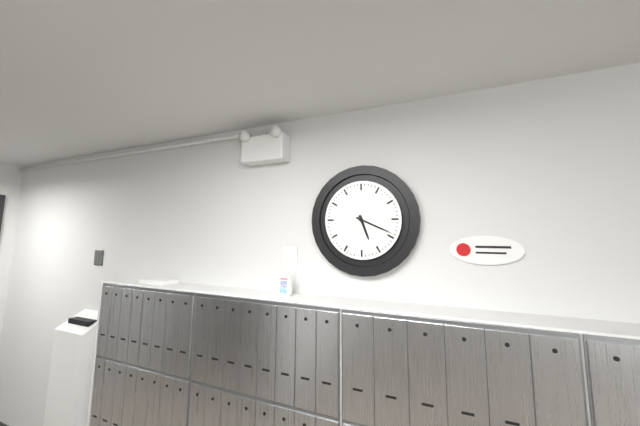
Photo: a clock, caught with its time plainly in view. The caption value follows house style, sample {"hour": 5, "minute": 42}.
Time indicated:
{"hour": 5, "minute": 19}
